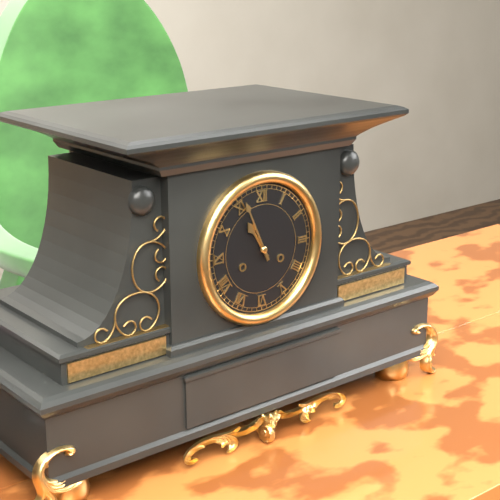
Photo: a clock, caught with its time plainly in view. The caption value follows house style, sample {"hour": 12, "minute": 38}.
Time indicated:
{"hour": 10, "minute": 56}
